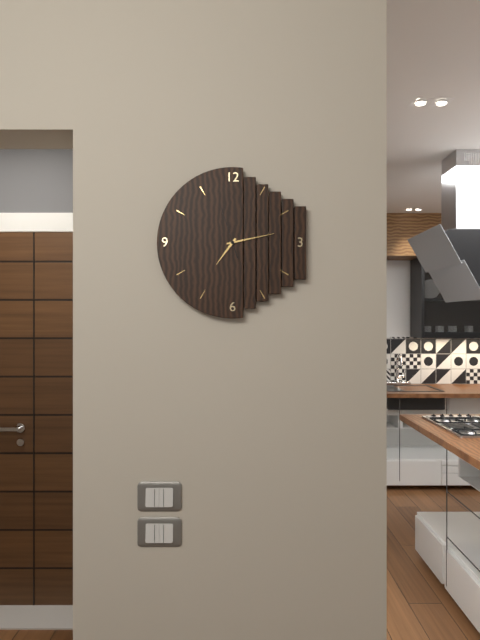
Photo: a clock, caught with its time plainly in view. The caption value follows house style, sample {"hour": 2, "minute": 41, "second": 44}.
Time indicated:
{"hour": 7, "minute": 13, "second": 57}
